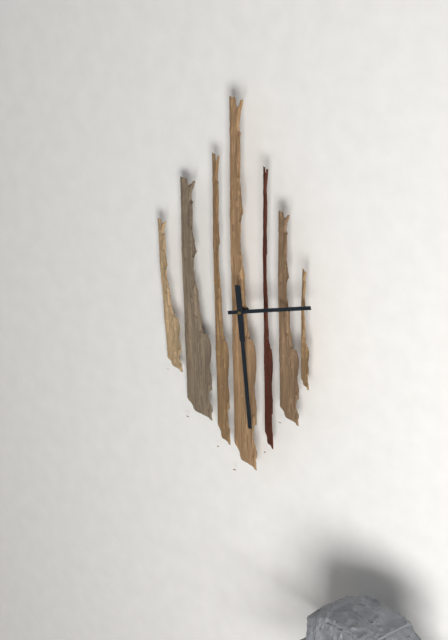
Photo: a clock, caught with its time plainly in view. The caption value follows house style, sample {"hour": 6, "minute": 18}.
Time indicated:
{"hour": 2, "minute": 29}
